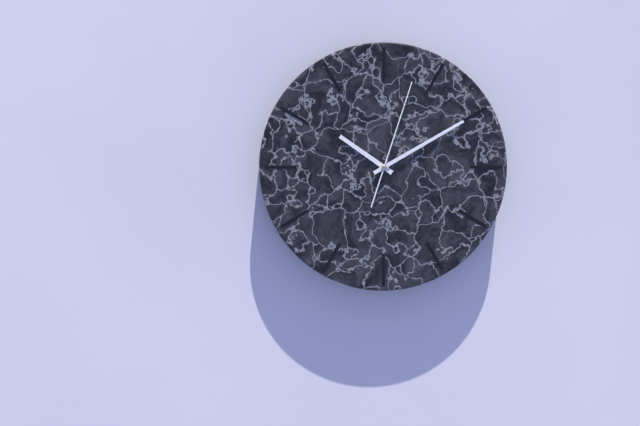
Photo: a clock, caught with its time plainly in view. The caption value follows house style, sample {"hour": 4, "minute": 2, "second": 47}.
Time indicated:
{"hour": 10, "minute": 10, "second": 3}
